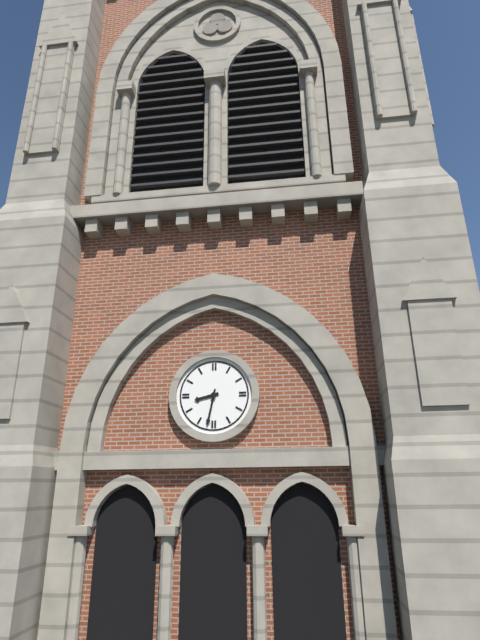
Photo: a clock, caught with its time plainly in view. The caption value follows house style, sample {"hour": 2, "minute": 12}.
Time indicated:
{"hour": 8, "minute": 32}
